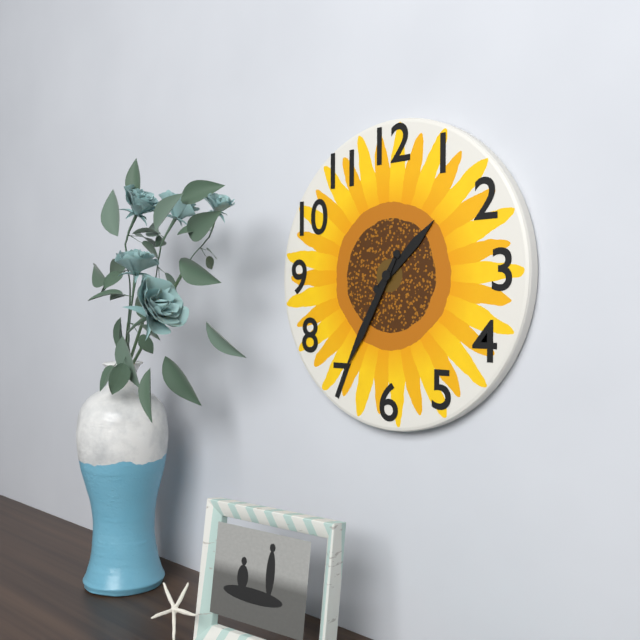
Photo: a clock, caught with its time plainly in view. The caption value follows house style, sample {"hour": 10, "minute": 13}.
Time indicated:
{"hour": 1, "minute": 35}
